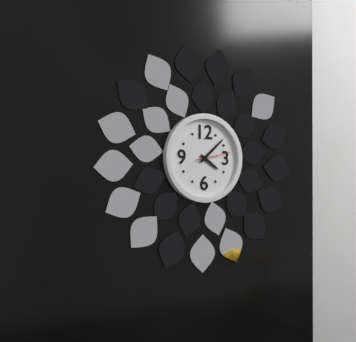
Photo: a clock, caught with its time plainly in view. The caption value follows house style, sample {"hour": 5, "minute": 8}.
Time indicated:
{"hour": 4, "minute": 8}
